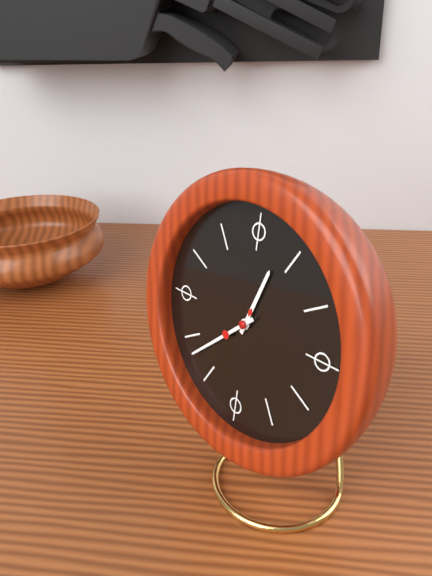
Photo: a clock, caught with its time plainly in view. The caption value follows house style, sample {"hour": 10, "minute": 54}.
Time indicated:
{"hour": 12, "minute": 38}
